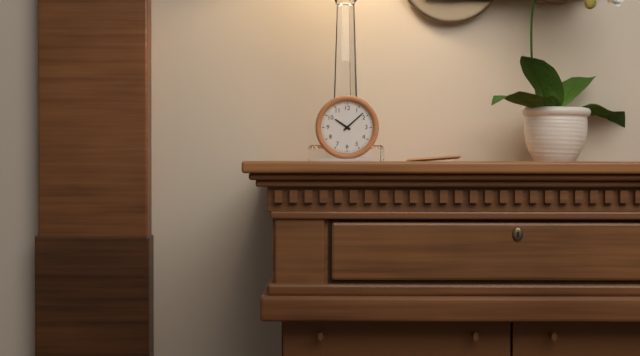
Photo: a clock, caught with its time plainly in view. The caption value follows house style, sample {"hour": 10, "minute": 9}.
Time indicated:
{"hour": 10, "minute": 8}
